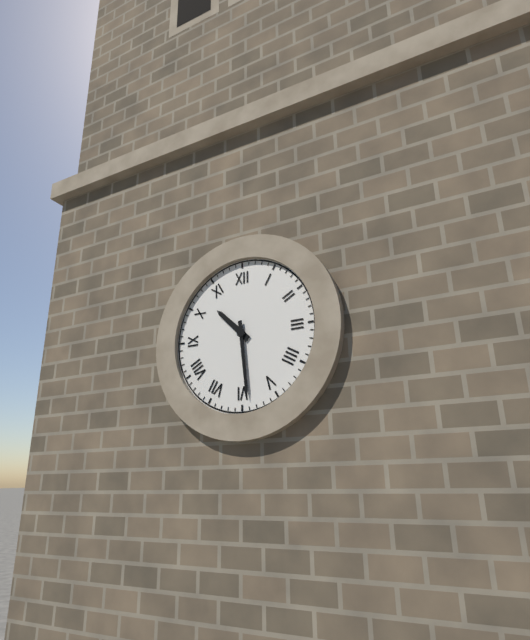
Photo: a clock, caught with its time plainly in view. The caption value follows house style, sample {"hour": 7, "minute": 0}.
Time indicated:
{"hour": 10, "minute": 29}
